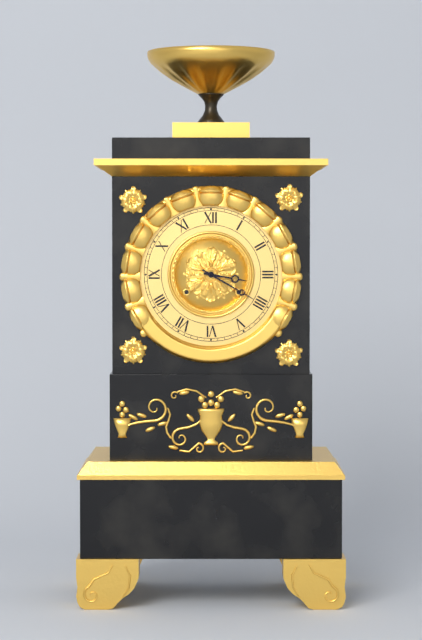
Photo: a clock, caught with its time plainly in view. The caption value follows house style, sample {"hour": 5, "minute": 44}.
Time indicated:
{"hour": 3, "minute": 20}
